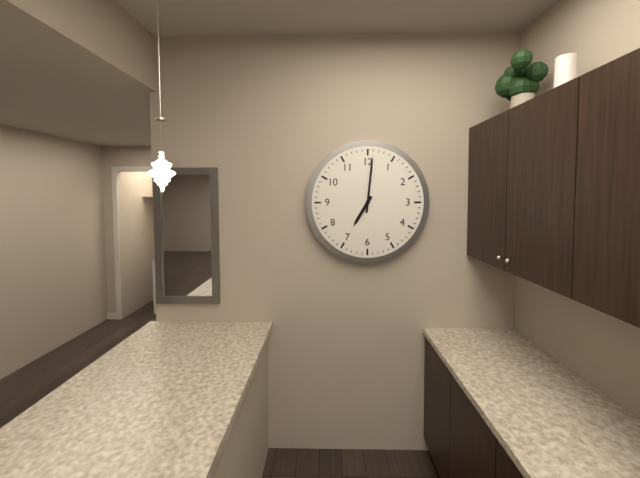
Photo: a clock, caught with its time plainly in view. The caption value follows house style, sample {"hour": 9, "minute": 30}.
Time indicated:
{"hour": 7, "minute": 1}
